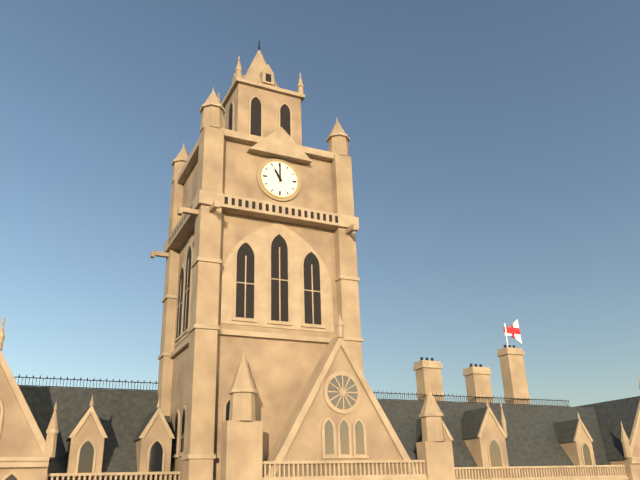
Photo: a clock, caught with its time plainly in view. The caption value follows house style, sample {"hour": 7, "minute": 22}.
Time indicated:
{"hour": 11, "minute": 0}
